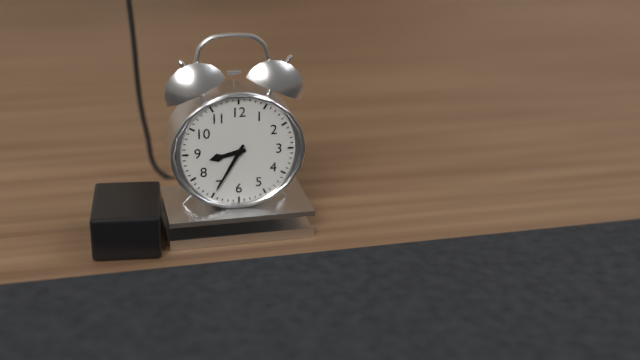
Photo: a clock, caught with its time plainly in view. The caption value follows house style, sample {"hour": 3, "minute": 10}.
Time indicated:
{"hour": 8, "minute": 35}
